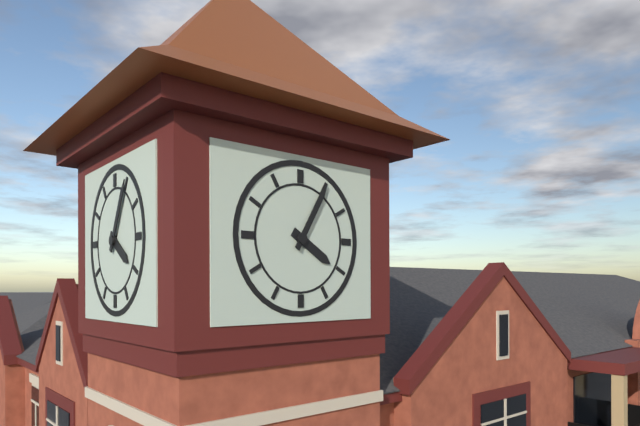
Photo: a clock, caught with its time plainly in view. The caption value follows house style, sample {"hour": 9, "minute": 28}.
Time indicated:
{"hour": 4, "minute": 5}
